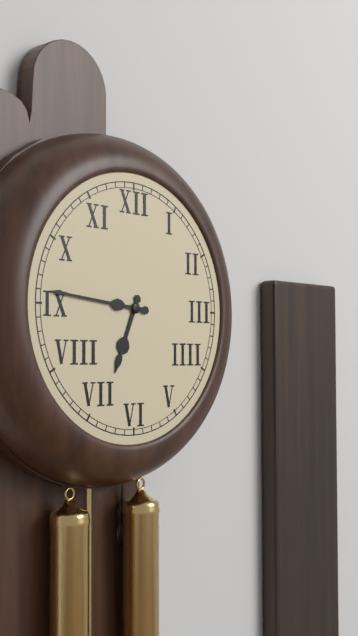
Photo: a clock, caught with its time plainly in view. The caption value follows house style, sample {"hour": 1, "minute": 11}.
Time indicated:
{"hour": 6, "minute": 46}
